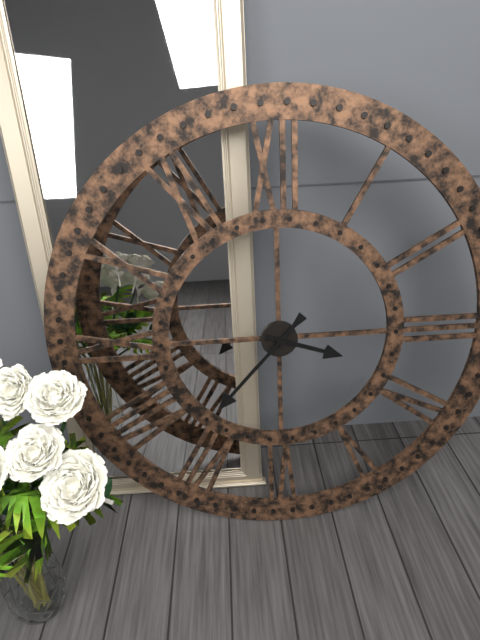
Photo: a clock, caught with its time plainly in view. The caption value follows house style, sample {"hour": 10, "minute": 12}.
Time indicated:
{"hour": 3, "minute": 37}
